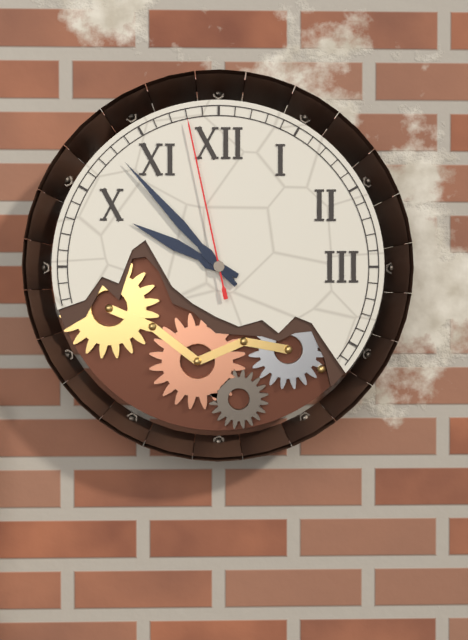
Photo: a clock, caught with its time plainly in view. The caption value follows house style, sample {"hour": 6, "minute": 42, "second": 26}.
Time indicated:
{"hour": 9, "minute": 53, "second": 58}
